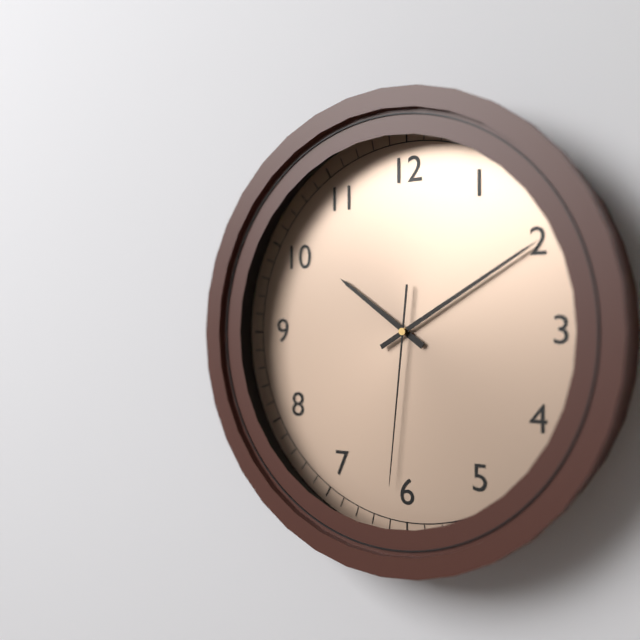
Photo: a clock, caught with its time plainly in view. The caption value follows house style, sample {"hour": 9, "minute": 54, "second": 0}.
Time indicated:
{"hour": 10, "minute": 10, "second": 31}
